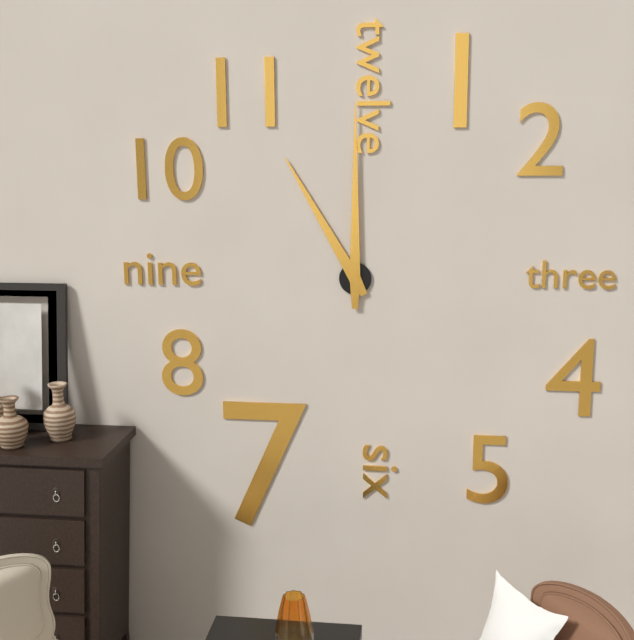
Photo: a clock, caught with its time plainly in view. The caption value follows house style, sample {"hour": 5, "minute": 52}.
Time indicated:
{"hour": 11, "minute": 0}
